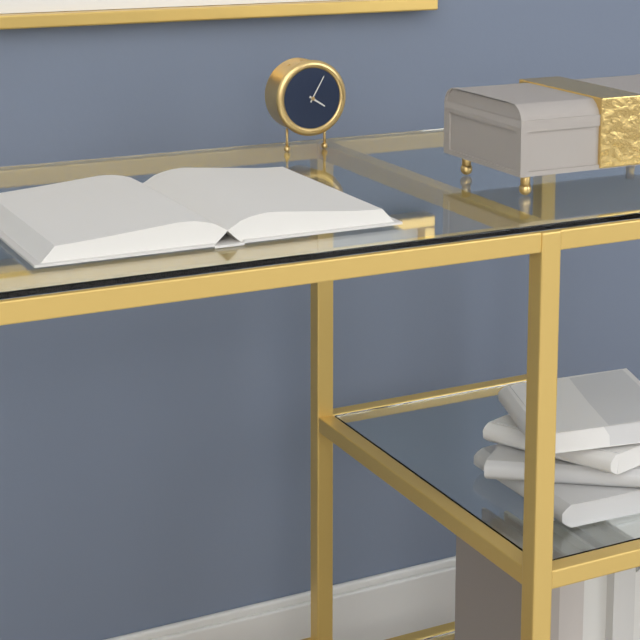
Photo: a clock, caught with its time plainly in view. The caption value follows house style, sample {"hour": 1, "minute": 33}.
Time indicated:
{"hour": 4, "minute": 5}
